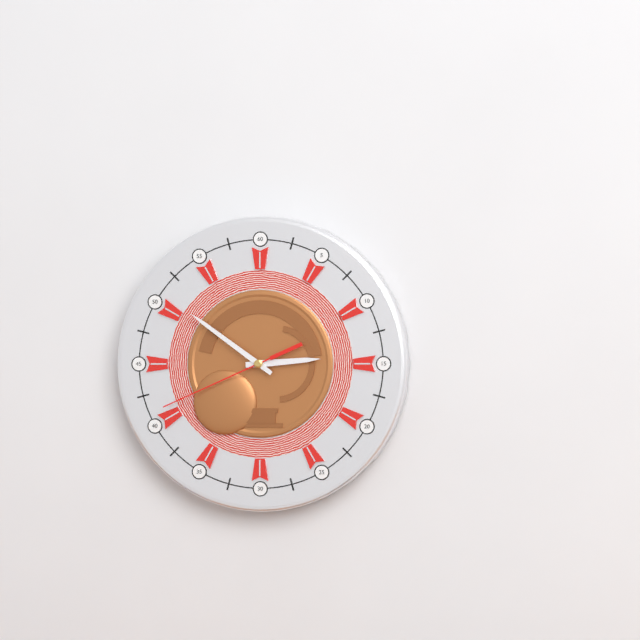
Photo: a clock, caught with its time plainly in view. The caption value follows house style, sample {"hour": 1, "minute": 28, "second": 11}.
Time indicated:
{"hour": 2, "minute": 51, "second": 41}
